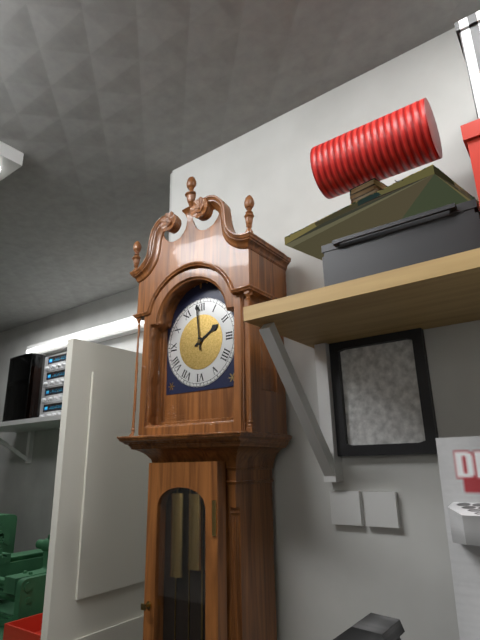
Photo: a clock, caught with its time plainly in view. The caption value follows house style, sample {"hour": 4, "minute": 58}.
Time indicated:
{"hour": 1, "minute": 59}
